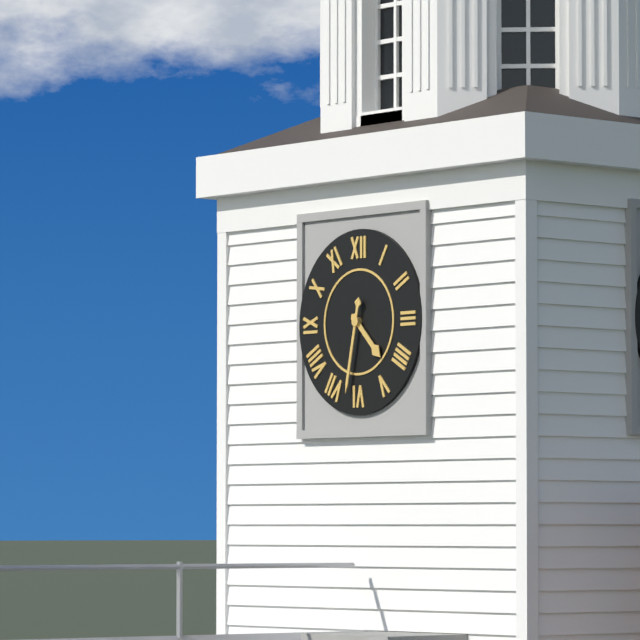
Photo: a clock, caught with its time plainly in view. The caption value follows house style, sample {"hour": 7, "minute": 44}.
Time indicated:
{"hour": 4, "minute": 32}
